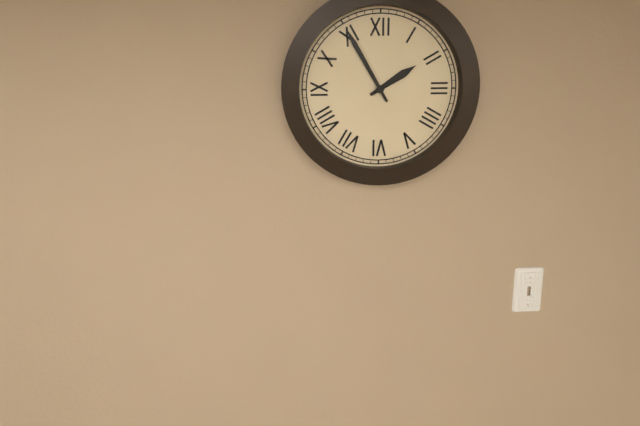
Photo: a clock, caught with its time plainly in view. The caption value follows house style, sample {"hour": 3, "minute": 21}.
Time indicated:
{"hour": 1, "minute": 55}
